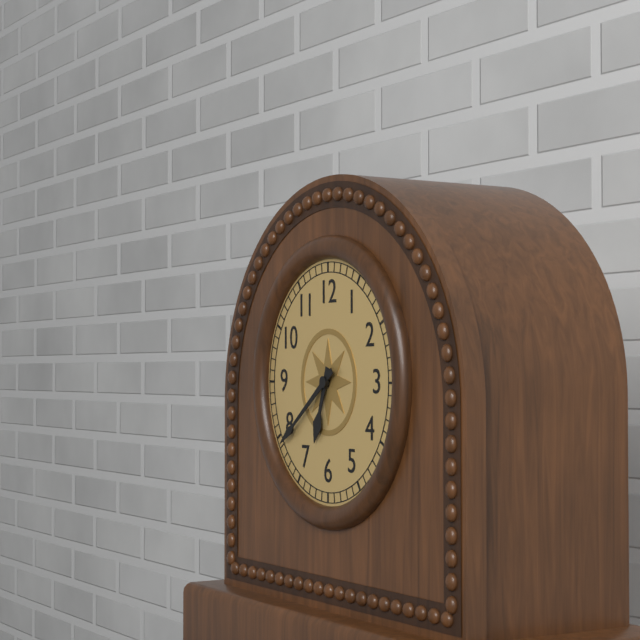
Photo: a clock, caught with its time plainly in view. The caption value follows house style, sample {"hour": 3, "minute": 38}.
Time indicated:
{"hour": 6, "minute": 39}
